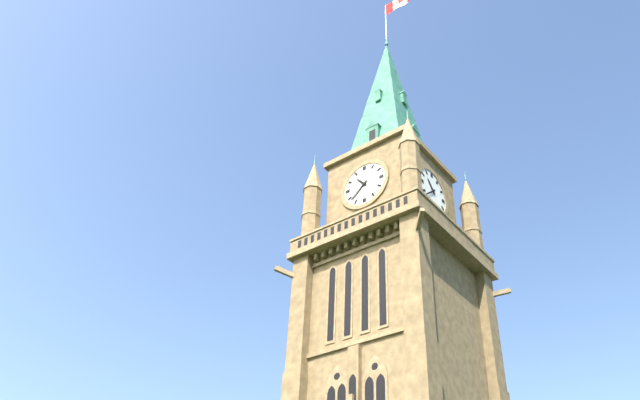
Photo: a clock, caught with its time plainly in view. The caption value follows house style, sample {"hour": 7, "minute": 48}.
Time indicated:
{"hour": 10, "minute": 38}
